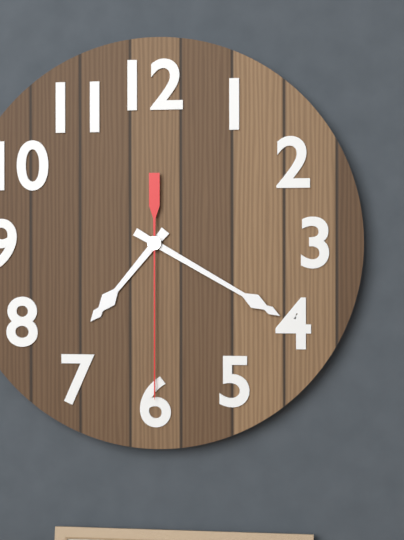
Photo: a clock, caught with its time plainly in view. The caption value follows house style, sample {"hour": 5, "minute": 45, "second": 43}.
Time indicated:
{"hour": 7, "minute": 20, "second": 30}
